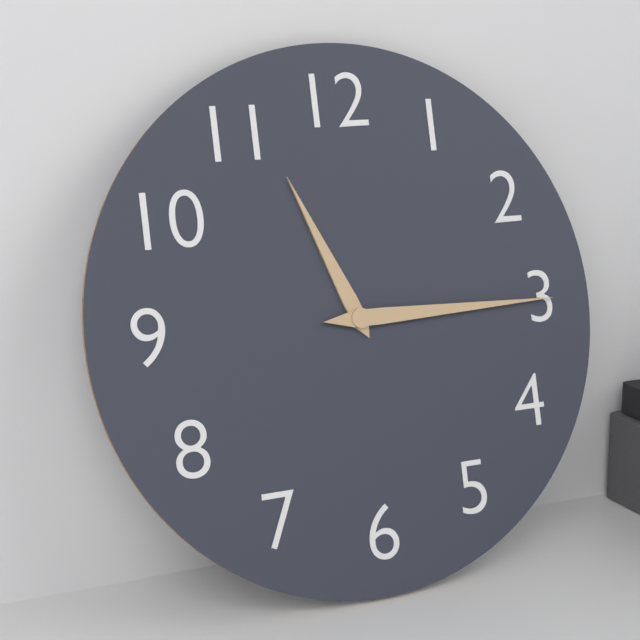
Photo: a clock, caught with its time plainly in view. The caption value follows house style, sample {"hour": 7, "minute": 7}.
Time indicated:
{"hour": 11, "minute": 15}
